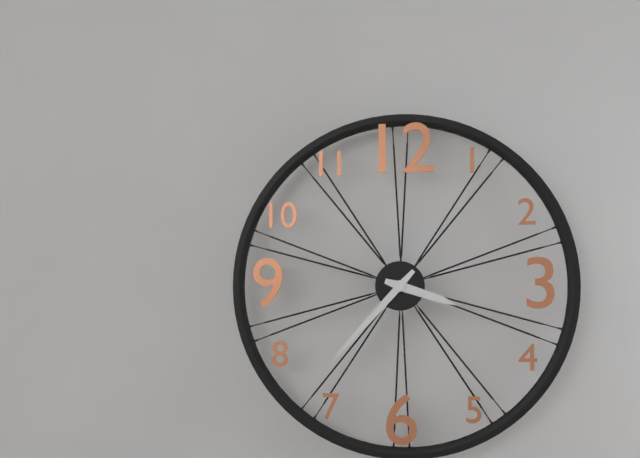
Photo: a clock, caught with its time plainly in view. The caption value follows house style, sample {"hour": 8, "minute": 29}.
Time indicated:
{"hour": 3, "minute": 37}
